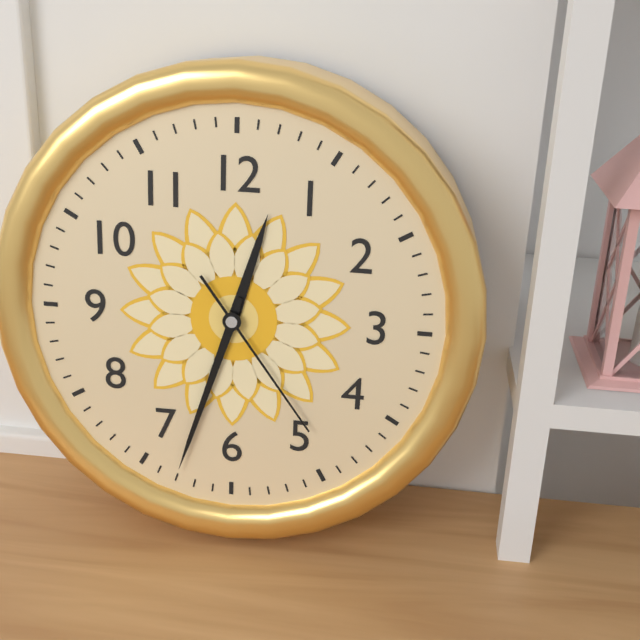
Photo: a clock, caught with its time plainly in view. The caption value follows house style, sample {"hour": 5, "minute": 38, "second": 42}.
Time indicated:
{"hour": 12, "minute": 33, "second": 24}
